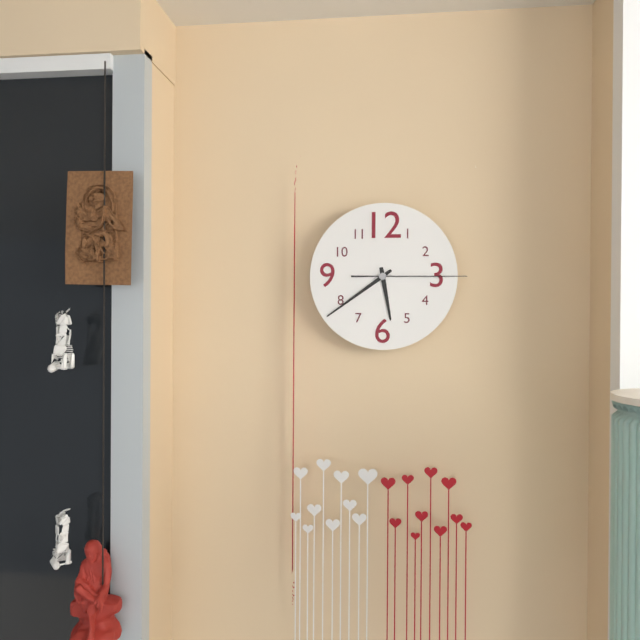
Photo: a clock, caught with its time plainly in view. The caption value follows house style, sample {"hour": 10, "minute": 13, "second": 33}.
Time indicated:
{"hour": 5, "minute": 39, "second": 15}
